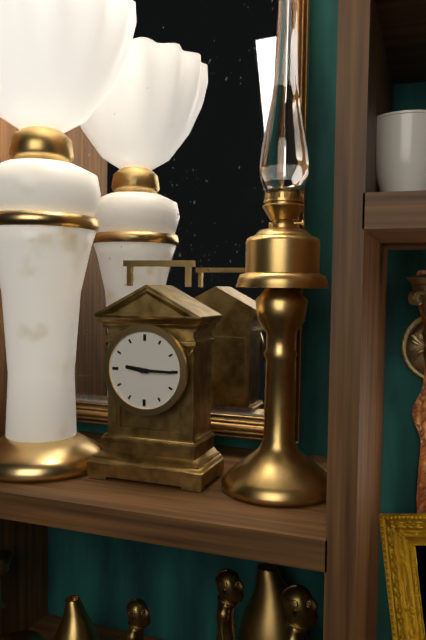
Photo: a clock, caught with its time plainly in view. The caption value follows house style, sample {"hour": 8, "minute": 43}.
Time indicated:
{"hour": 9, "minute": 15}
